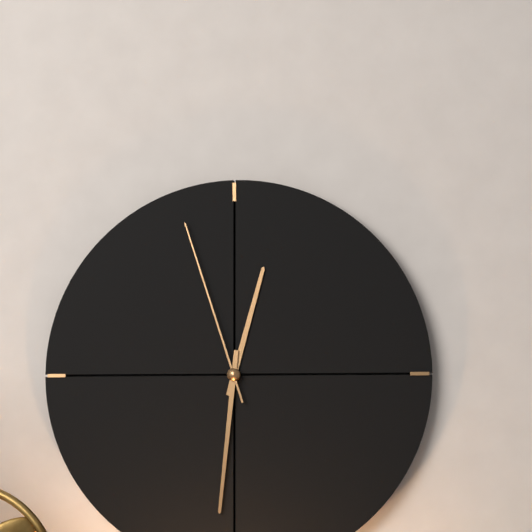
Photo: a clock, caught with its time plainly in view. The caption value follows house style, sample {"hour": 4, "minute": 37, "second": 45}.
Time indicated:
{"hour": 12, "minute": 31, "second": 57}
